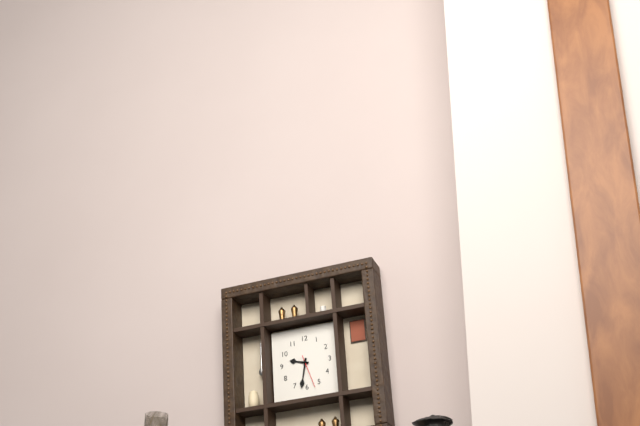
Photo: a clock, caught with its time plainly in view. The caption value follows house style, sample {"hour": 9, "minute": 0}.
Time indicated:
{"hour": 9, "minute": 32}
